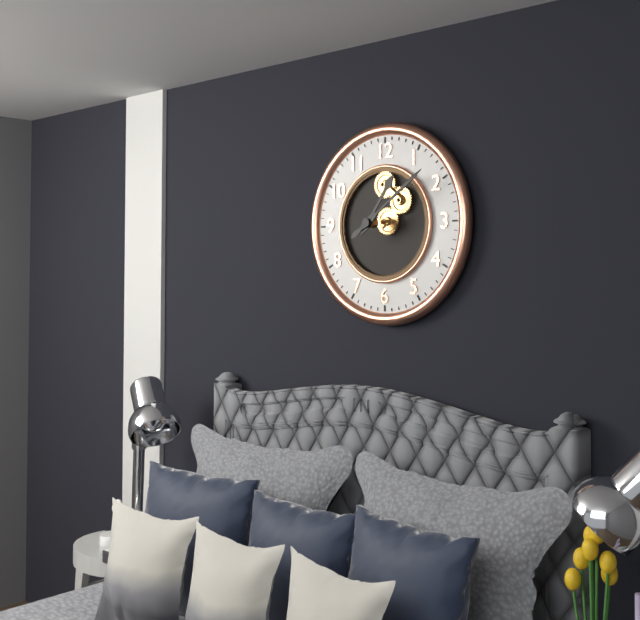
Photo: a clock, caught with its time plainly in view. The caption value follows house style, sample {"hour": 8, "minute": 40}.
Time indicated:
{"hour": 1, "minute": 9}
